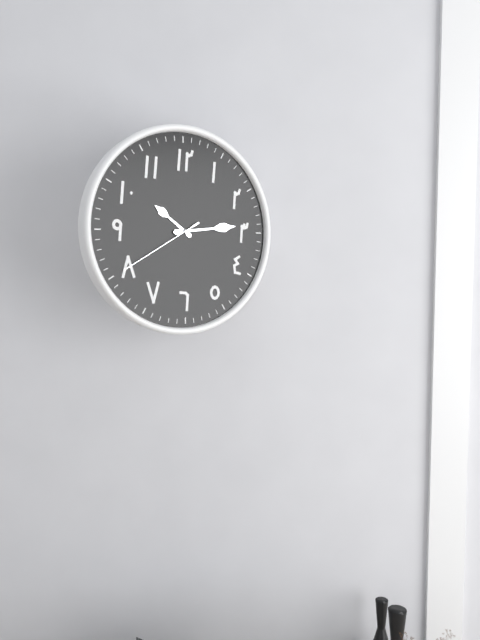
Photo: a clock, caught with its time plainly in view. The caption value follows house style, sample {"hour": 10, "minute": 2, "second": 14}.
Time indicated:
{"hour": 10, "minute": 14, "second": 40}
